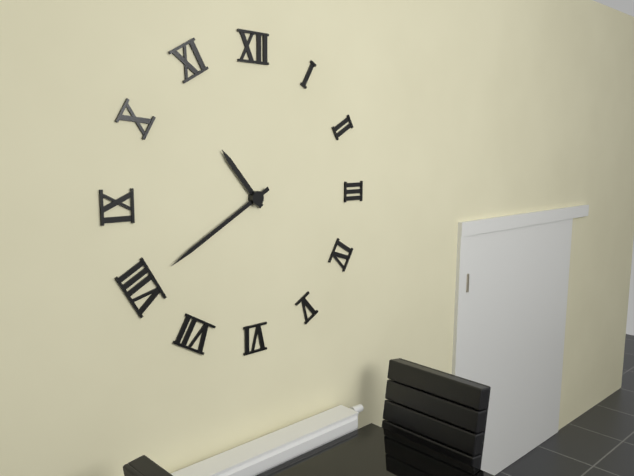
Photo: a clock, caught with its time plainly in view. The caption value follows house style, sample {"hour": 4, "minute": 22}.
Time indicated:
{"hour": 10, "minute": 40}
